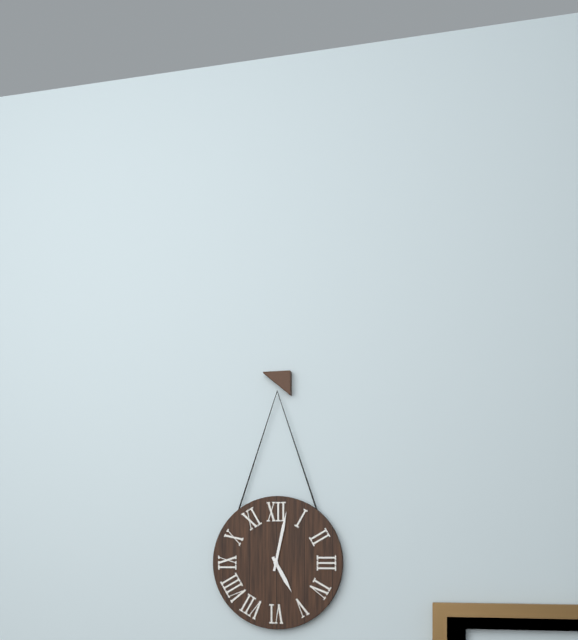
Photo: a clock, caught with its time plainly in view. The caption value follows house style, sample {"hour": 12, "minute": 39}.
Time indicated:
{"hour": 5, "minute": 2}
